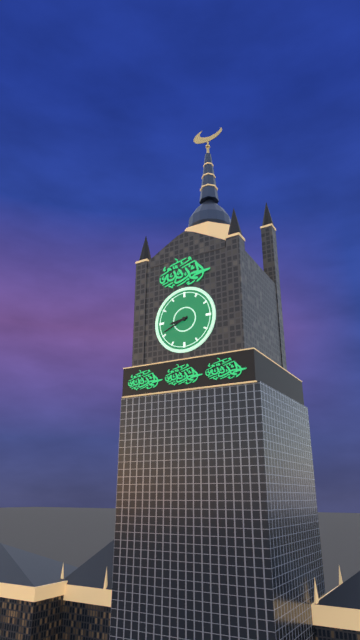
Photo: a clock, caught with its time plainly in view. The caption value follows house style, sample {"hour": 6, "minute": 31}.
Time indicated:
{"hour": 8, "minute": 41}
